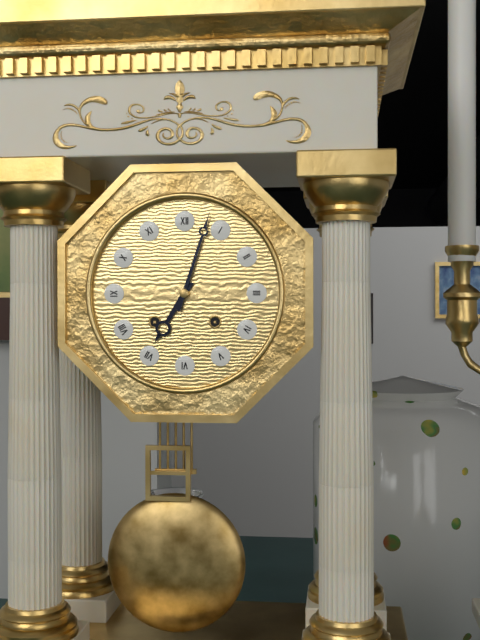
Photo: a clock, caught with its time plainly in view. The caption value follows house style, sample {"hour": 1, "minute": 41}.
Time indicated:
{"hour": 7, "minute": 3}
